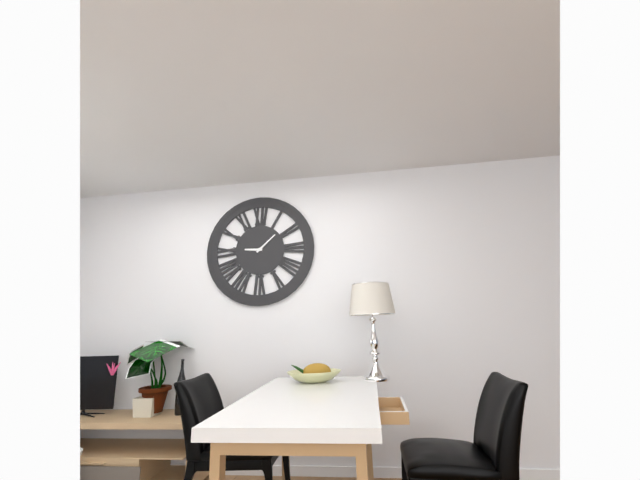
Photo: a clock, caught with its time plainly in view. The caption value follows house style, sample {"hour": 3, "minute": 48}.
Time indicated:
{"hour": 9, "minute": 8}
